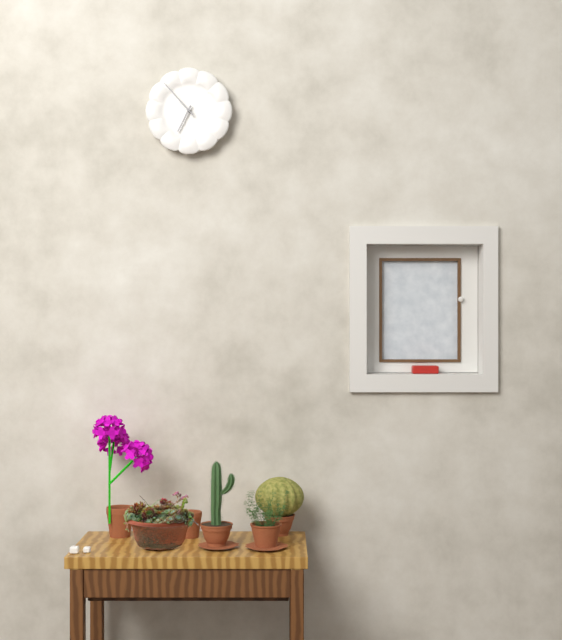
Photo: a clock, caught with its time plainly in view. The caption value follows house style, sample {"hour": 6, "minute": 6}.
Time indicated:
{"hour": 6, "minute": 53}
